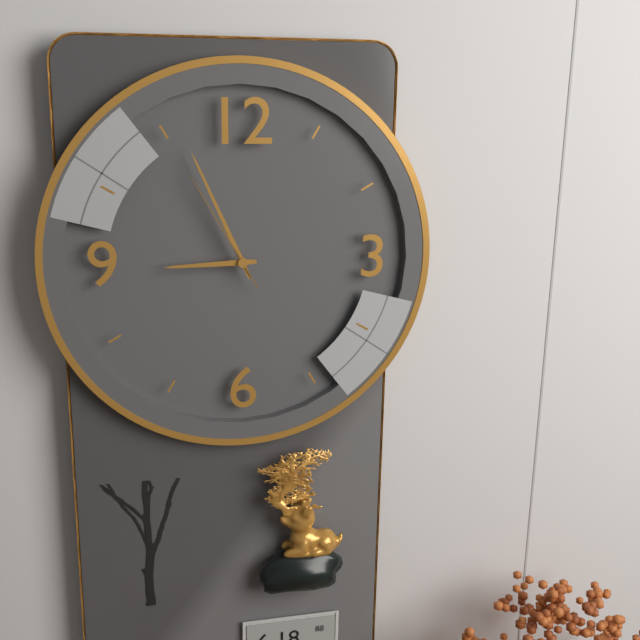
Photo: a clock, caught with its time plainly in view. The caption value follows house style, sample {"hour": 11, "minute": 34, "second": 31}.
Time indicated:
{"hour": 8, "minute": 56, "second": 55}
